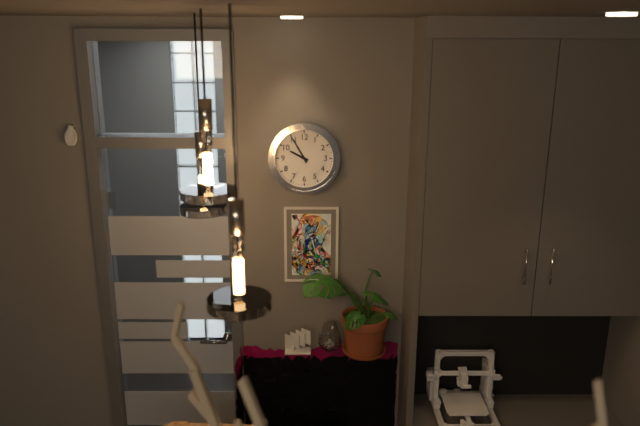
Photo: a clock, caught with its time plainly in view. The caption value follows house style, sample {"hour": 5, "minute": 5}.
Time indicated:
{"hour": 9, "minute": 55}
